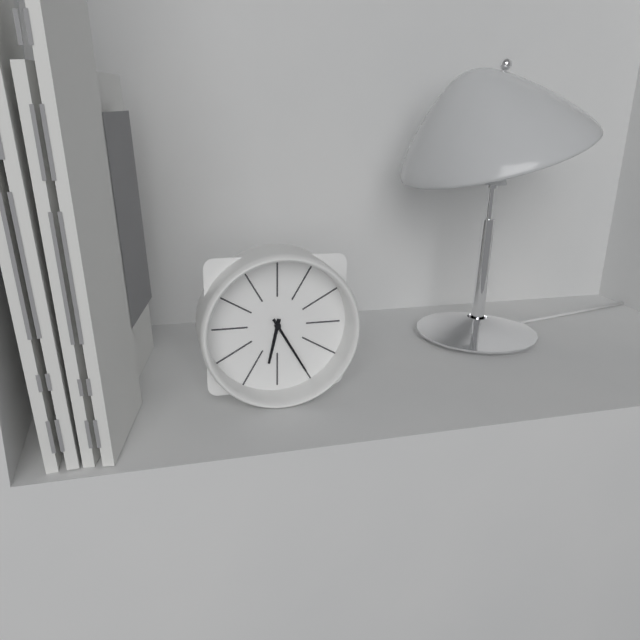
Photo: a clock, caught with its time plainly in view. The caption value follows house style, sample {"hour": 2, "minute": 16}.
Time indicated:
{"hour": 6, "minute": 25}
